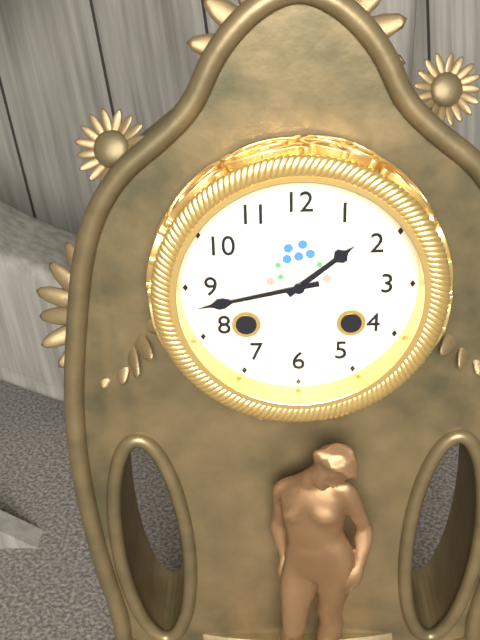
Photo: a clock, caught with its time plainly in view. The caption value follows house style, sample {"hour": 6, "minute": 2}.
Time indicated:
{"hour": 1, "minute": 43}
